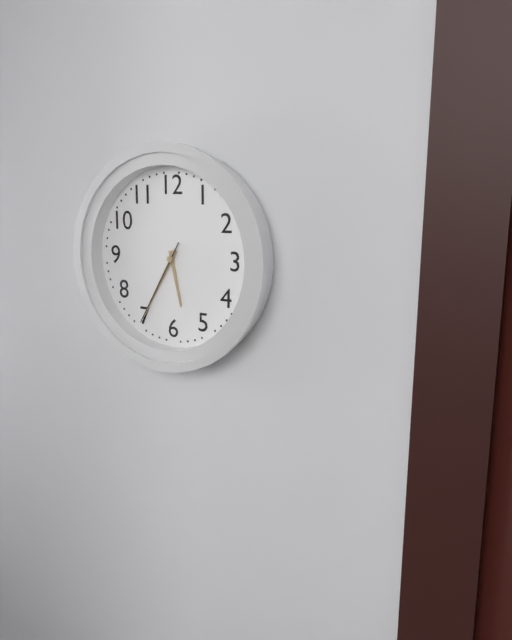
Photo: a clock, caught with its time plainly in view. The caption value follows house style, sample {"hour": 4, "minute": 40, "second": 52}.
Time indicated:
{"hour": 5, "minute": 35, "second": 35}
